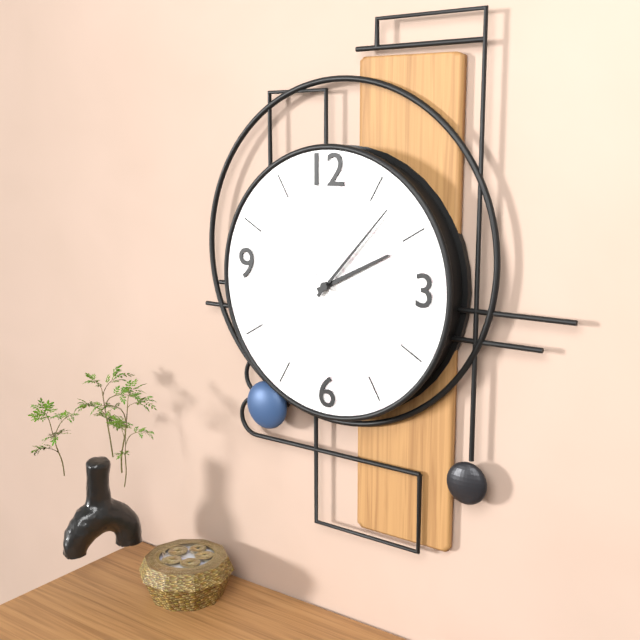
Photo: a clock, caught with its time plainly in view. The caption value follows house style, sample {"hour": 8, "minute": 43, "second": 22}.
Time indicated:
{"hour": 2, "minute": 7, "second": 20}
